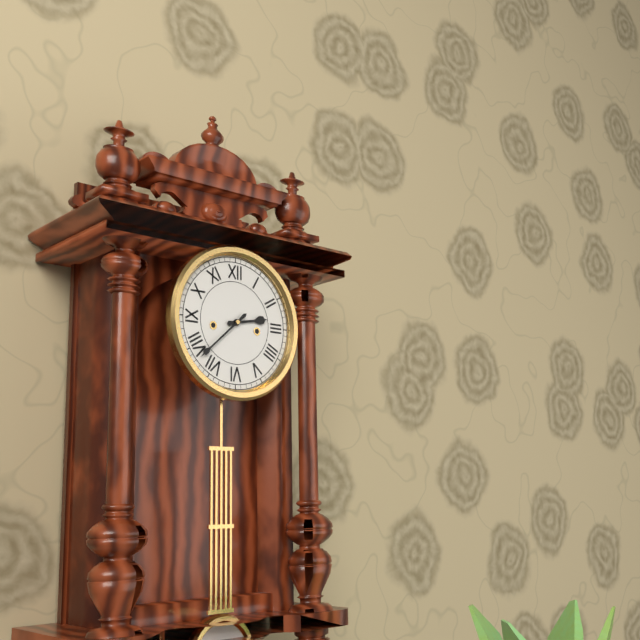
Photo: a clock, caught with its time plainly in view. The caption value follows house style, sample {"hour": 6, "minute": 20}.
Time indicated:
{"hour": 2, "minute": 38}
